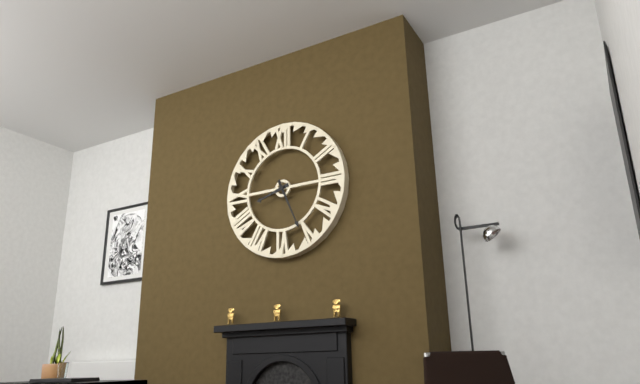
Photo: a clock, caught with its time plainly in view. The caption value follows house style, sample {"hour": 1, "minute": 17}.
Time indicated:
{"hour": 8, "minute": 26}
